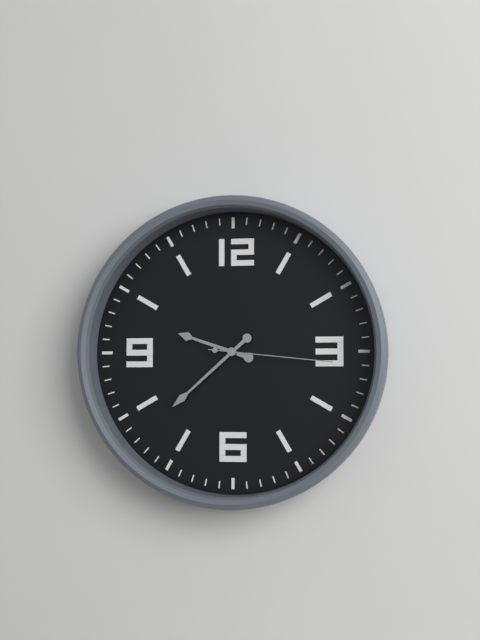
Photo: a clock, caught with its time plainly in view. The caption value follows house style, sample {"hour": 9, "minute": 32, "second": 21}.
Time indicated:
{"hour": 9, "minute": 38, "second": 16}
